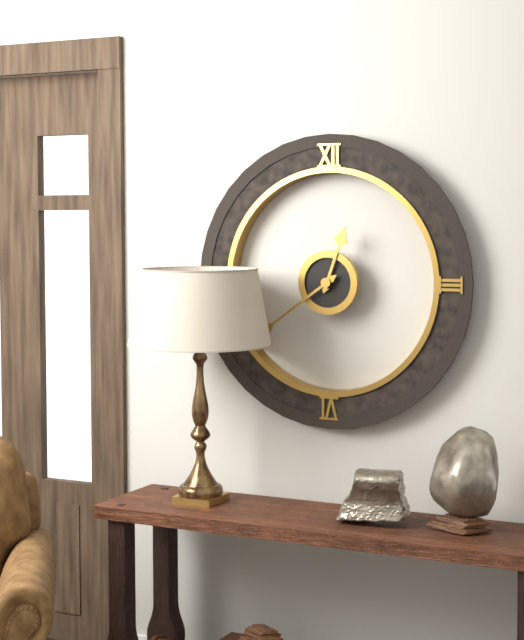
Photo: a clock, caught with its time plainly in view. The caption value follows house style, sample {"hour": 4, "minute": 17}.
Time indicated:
{"hour": 12, "minute": 39}
